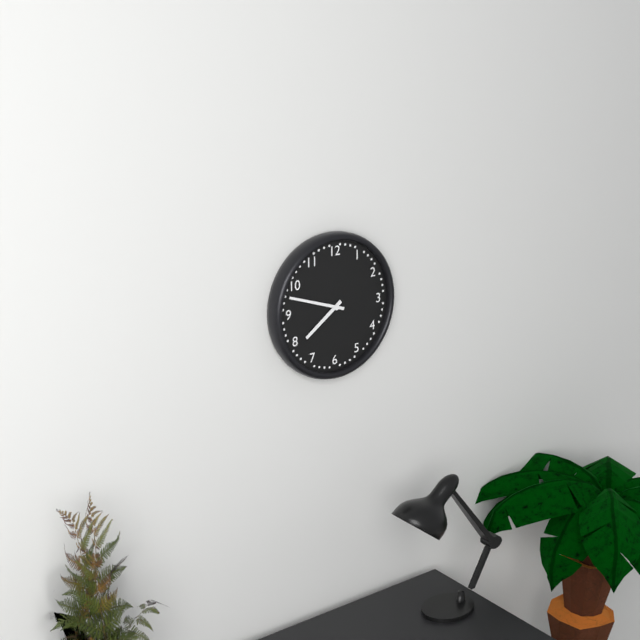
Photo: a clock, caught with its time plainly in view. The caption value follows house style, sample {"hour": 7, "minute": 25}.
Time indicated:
{"hour": 7, "minute": 48}
